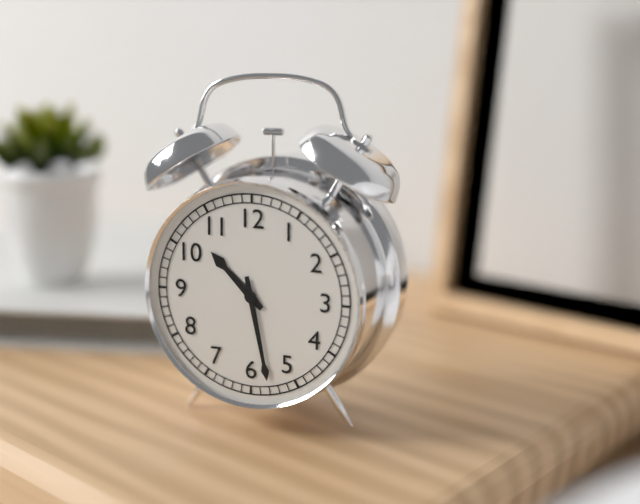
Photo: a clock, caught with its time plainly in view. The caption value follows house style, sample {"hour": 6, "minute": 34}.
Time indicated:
{"hour": 10, "minute": 28}
